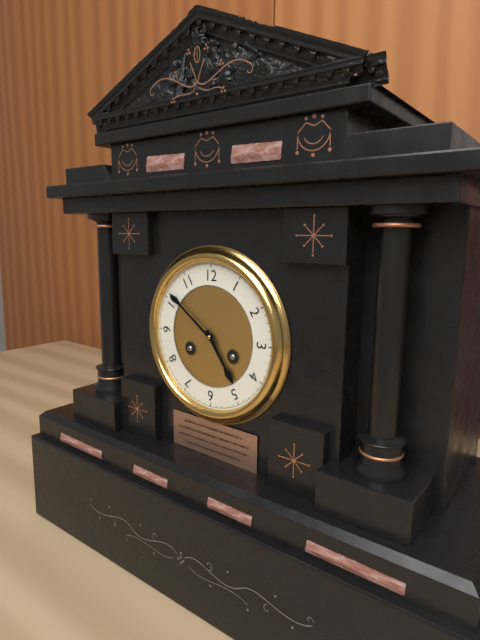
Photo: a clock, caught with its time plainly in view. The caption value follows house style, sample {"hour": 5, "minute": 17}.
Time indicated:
{"hour": 4, "minute": 51}
